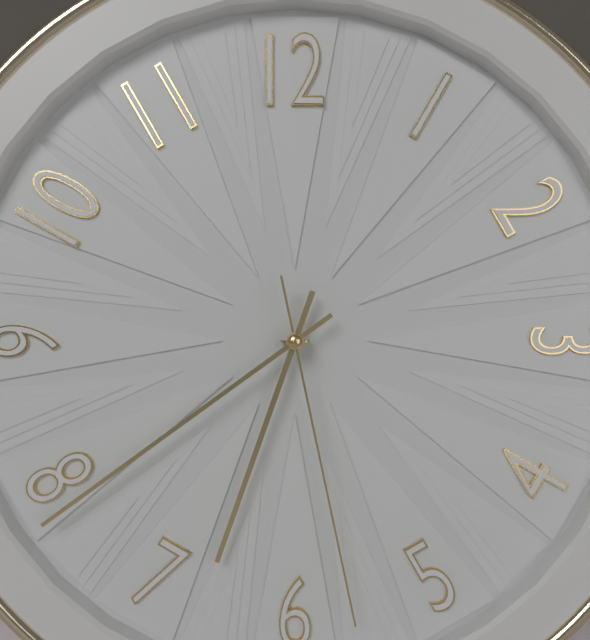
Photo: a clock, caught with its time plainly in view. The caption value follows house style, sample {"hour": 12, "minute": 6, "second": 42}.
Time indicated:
{"hour": 6, "minute": 39, "second": 28}
